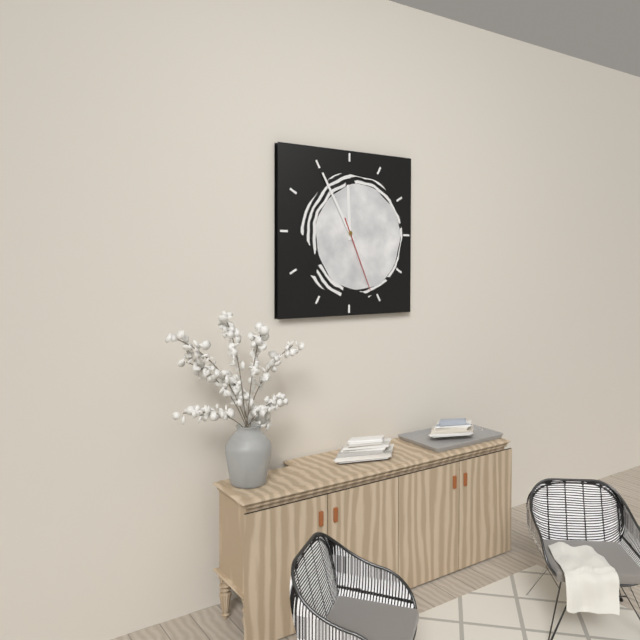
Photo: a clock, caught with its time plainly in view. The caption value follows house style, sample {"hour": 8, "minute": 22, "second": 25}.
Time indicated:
{"hour": 11, "minute": 55, "second": 26}
